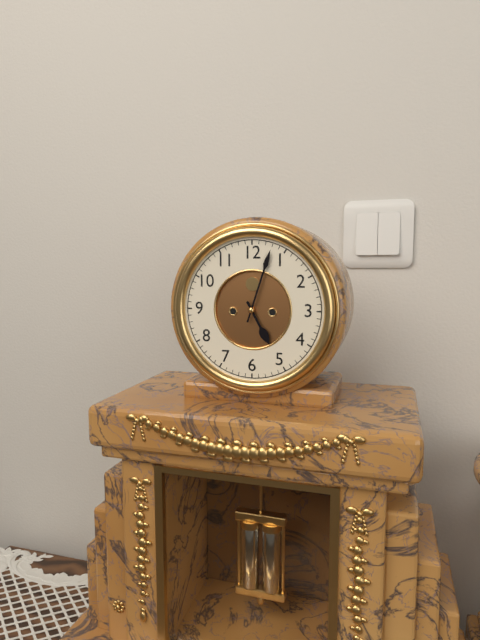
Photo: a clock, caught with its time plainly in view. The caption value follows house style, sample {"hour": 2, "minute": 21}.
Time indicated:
{"hour": 5, "minute": 3}
